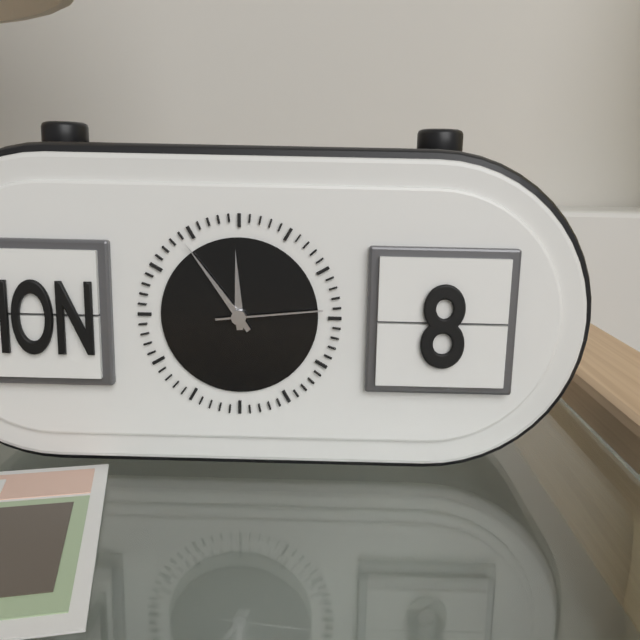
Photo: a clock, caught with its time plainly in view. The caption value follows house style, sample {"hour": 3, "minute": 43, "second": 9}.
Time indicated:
{"hour": 11, "minute": 54, "second": 14}
